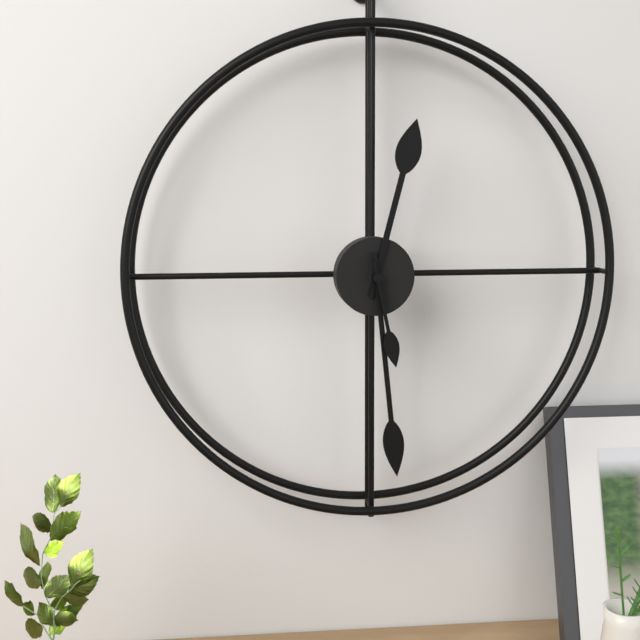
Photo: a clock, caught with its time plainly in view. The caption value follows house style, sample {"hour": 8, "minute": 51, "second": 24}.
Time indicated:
{"hour": 12, "minute": 29, "second": 28}
